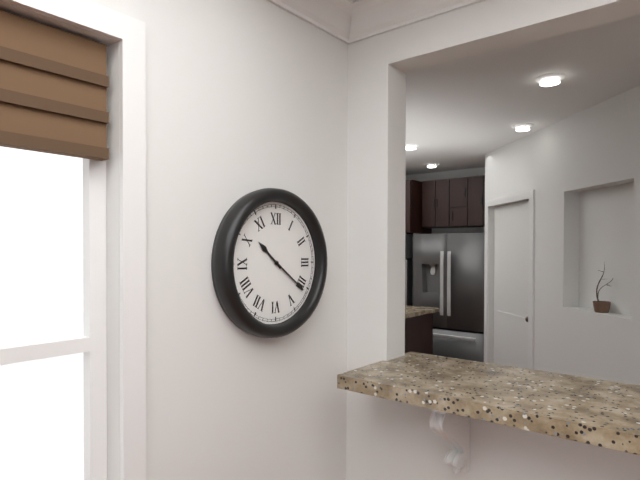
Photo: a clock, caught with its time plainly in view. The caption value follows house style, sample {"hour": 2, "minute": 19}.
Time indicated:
{"hour": 10, "minute": 21}
